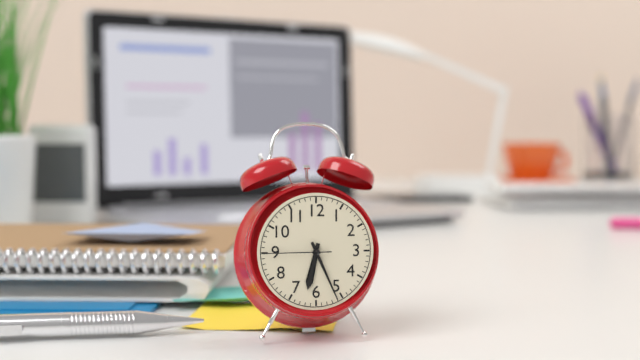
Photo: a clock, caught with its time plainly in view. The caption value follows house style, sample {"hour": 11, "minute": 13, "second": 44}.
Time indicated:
{"hour": 6, "minute": 26, "second": 45}
